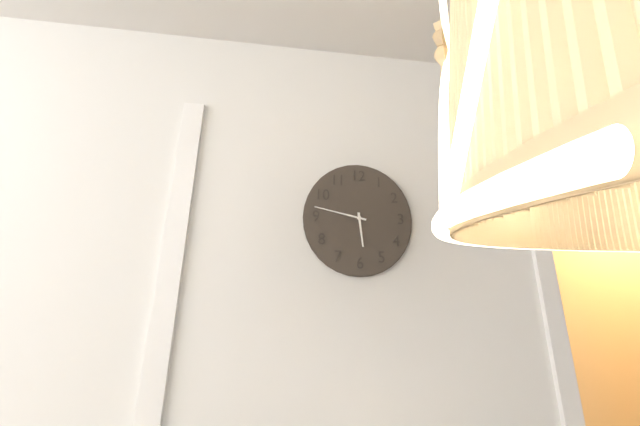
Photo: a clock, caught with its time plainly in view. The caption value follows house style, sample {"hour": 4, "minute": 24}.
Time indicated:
{"hour": 5, "minute": 47}
